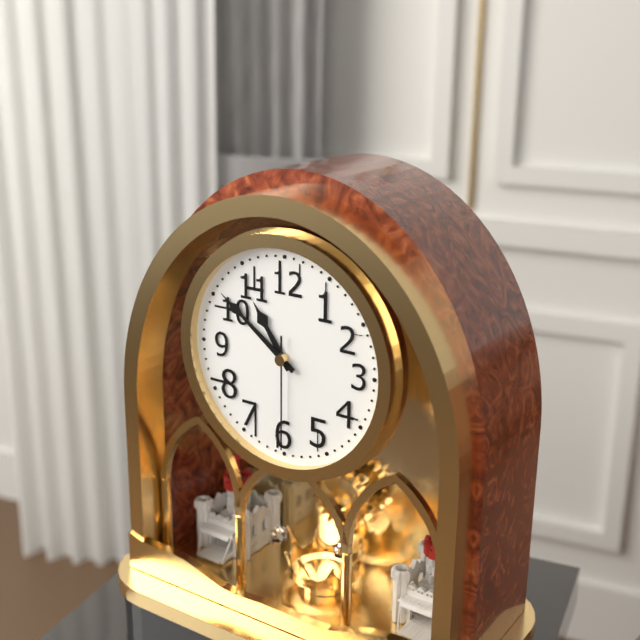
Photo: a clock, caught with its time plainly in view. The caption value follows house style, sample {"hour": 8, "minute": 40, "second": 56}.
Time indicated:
{"hour": 10, "minute": 51, "second": 30}
